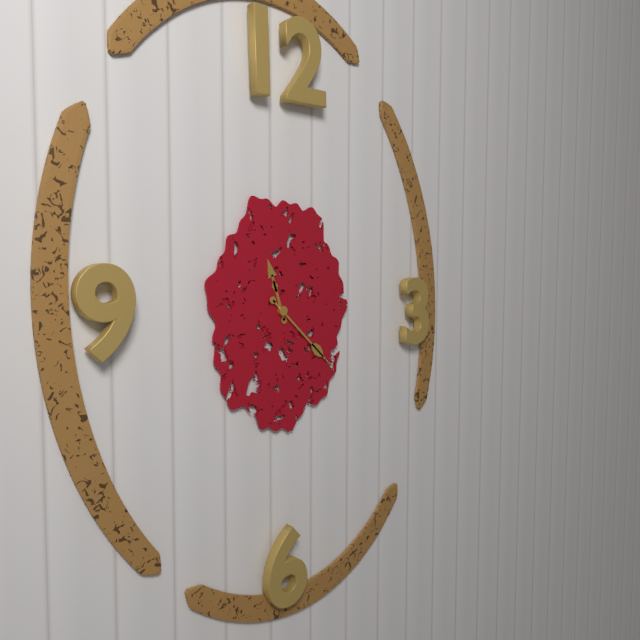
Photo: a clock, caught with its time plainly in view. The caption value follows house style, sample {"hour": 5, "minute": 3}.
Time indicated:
{"hour": 11, "minute": 22}
